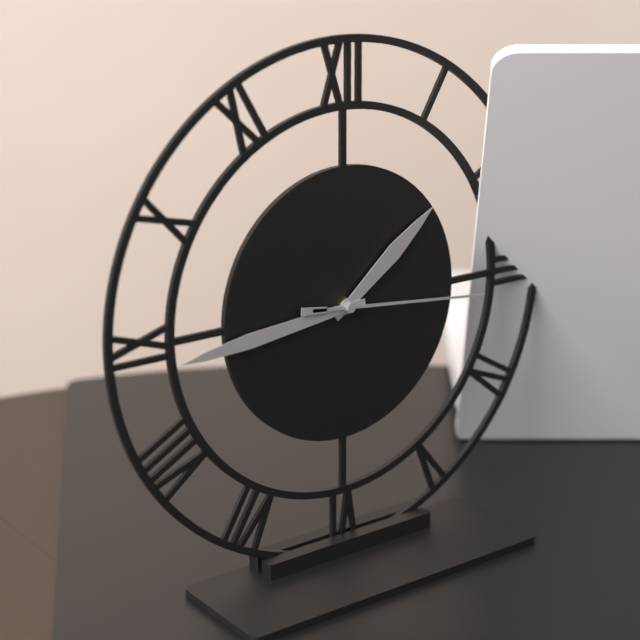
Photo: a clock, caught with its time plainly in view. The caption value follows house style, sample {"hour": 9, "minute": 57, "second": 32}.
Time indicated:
{"hour": 1, "minute": 44, "second": 16}
